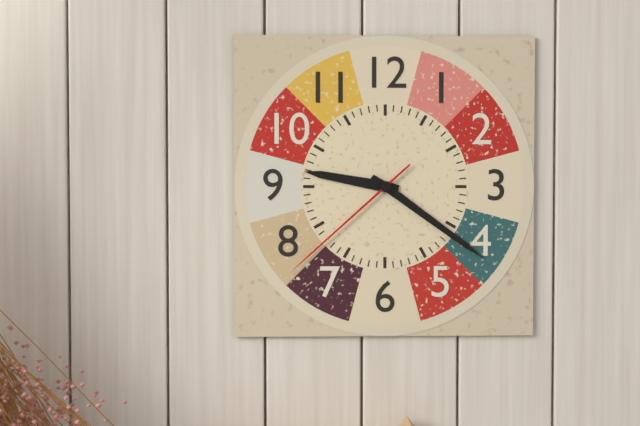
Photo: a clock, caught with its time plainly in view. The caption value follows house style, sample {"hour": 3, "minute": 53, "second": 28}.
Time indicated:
{"hour": 9, "minute": 21, "second": 38}
